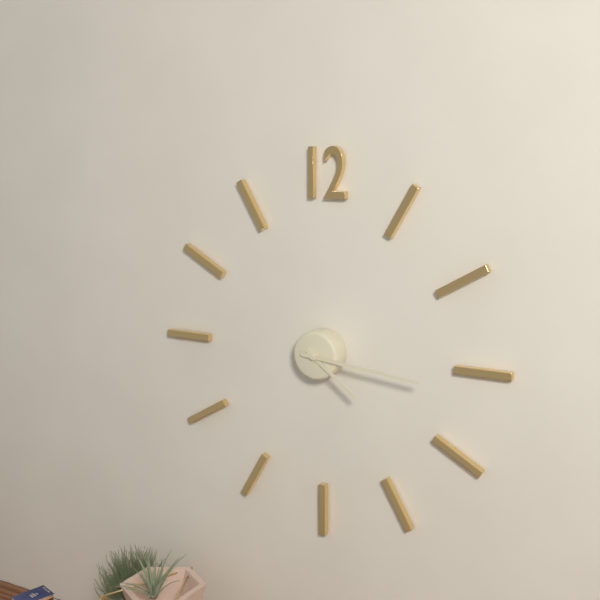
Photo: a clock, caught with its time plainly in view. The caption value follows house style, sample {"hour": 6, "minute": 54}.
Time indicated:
{"hour": 4, "minute": 16}
